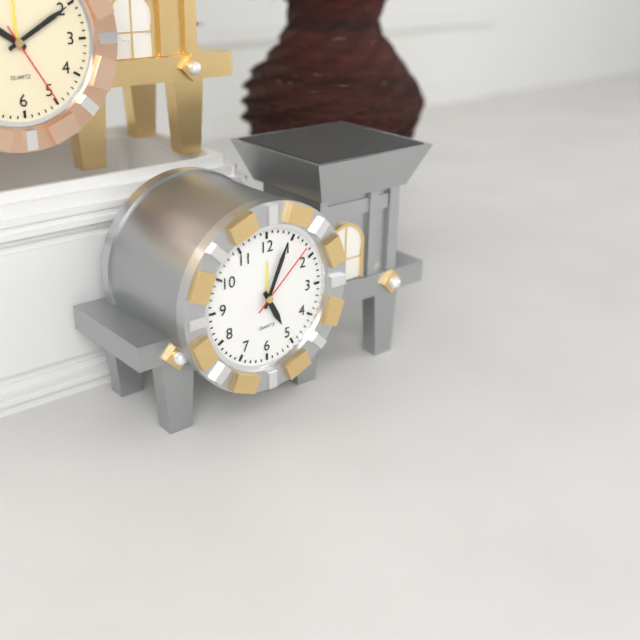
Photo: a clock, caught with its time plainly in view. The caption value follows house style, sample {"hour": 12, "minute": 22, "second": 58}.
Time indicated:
{"hour": 5, "minute": 4, "second": 8}
